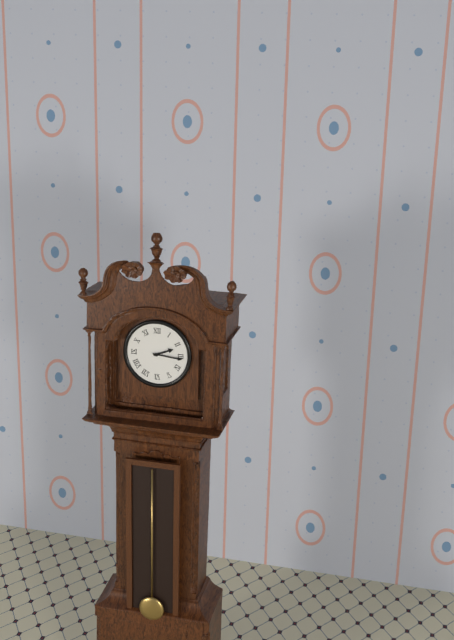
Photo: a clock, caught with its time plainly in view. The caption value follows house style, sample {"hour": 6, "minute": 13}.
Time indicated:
{"hour": 2, "minute": 16}
